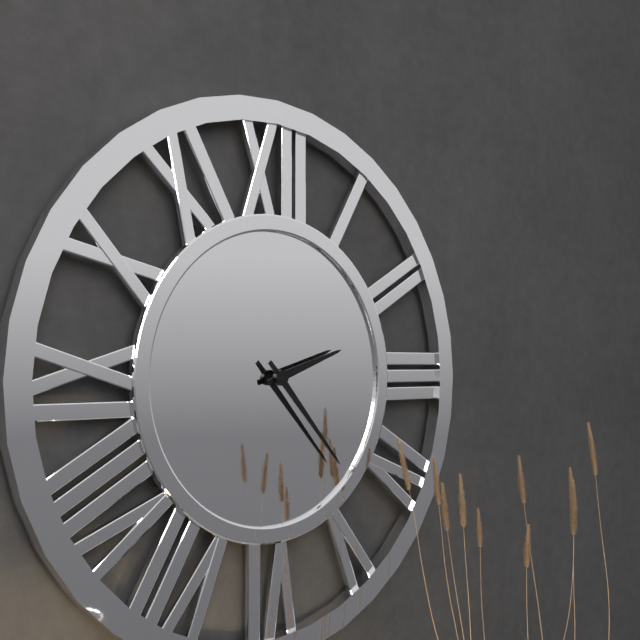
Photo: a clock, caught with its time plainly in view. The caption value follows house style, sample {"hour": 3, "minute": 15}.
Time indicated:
{"hour": 2, "minute": 23}
